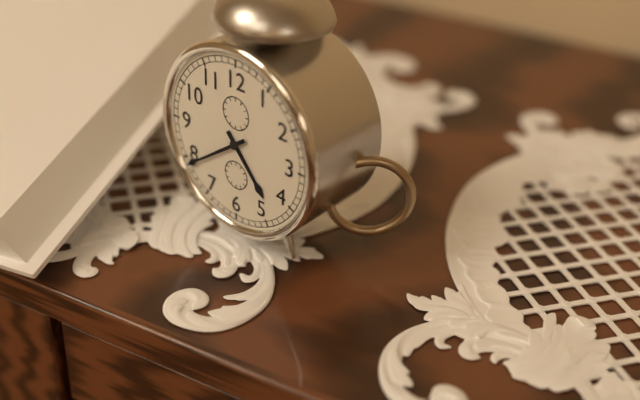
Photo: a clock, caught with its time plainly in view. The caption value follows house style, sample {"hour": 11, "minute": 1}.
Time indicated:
{"hour": 4, "minute": 39}
